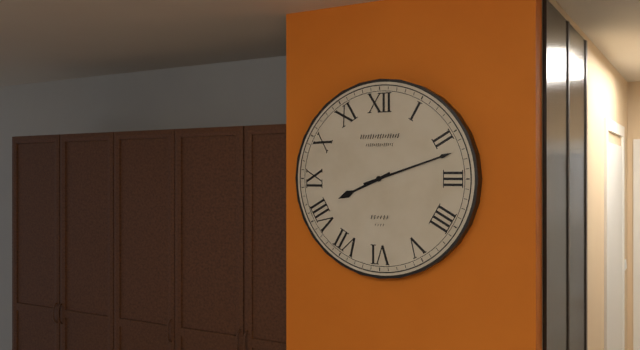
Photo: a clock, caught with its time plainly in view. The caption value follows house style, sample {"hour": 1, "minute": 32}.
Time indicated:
{"hour": 8, "minute": 12}
